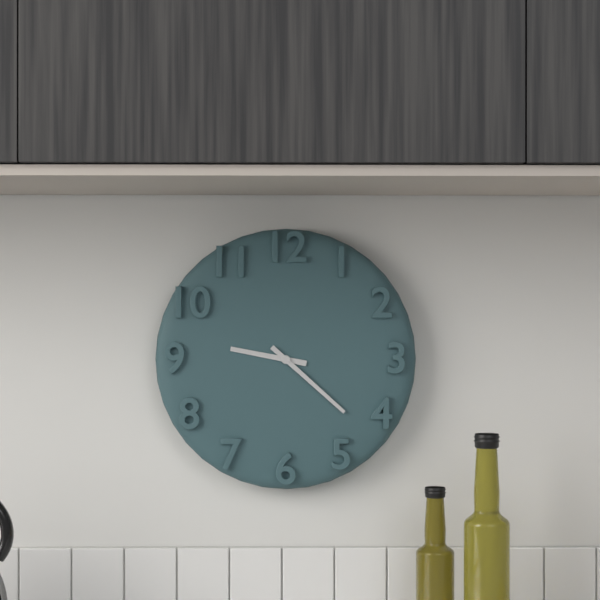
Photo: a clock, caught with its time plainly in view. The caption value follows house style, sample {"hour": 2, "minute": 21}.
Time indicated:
{"hour": 9, "minute": 22}
